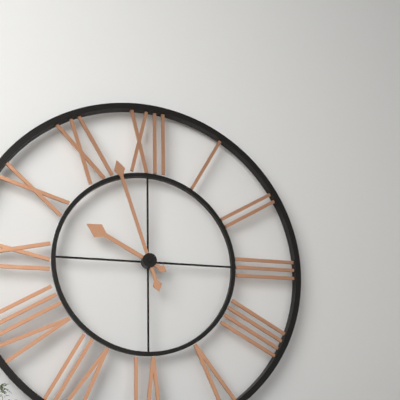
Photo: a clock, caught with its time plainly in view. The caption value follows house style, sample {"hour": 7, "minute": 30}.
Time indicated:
{"hour": 9, "minute": 57}
